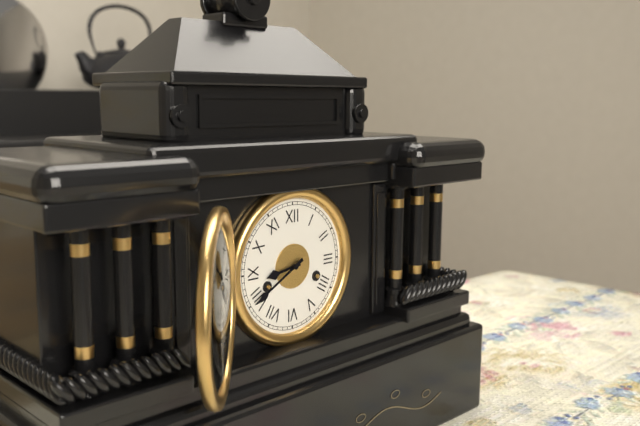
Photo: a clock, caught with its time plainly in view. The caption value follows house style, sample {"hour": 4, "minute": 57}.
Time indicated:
{"hour": 8, "minute": 40}
